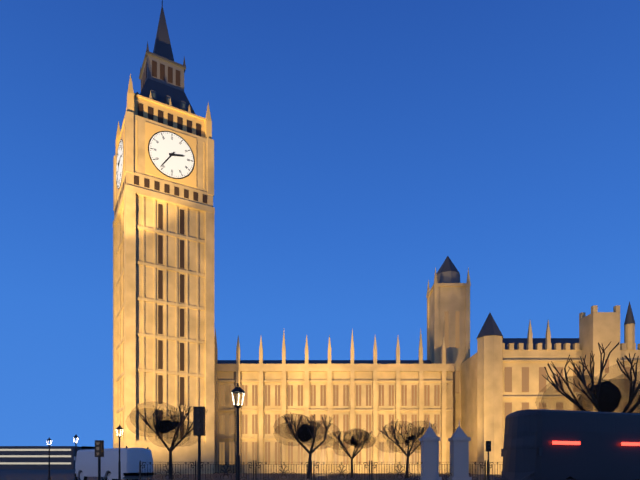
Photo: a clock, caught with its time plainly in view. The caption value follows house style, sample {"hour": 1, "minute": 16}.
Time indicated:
{"hour": 2, "minute": 36}
